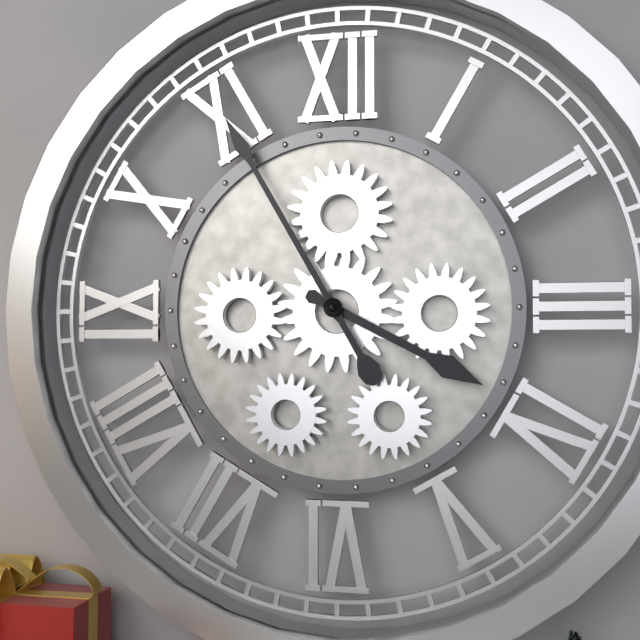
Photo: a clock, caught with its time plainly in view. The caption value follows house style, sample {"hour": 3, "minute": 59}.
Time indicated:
{"hour": 3, "minute": 55}
